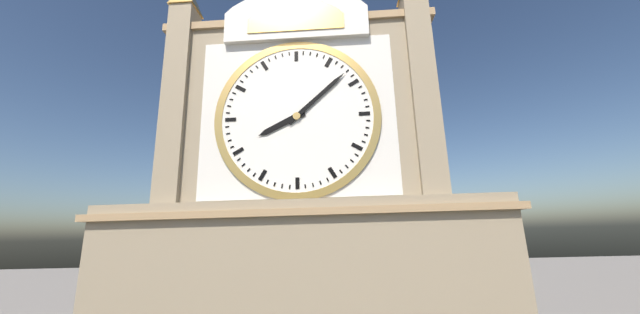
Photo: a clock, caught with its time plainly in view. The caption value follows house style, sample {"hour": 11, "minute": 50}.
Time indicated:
{"hour": 8, "minute": 8}
